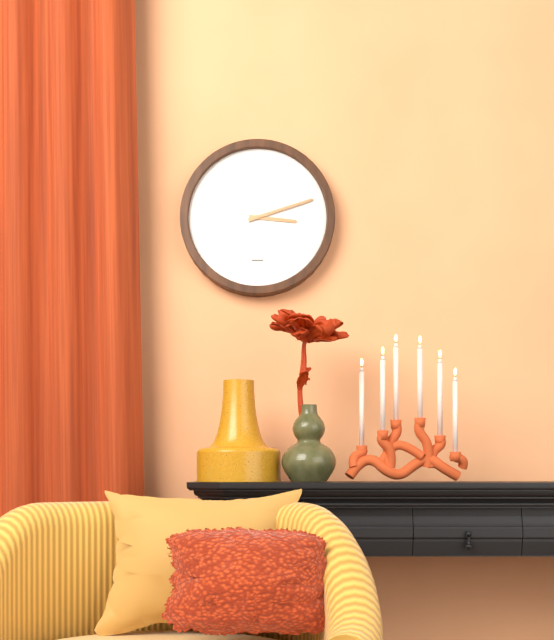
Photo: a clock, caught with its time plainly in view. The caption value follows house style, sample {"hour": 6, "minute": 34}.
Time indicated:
{"hour": 3, "minute": 12}
